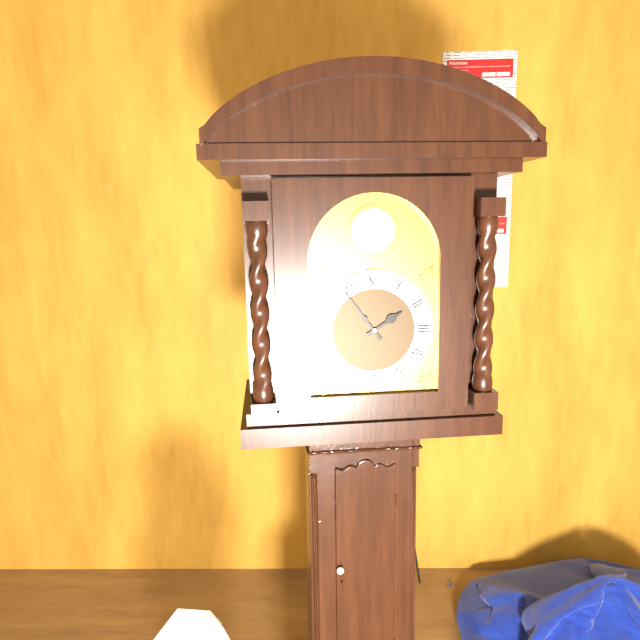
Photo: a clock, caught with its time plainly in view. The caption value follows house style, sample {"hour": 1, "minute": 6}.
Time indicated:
{"hour": 1, "minute": 54}
